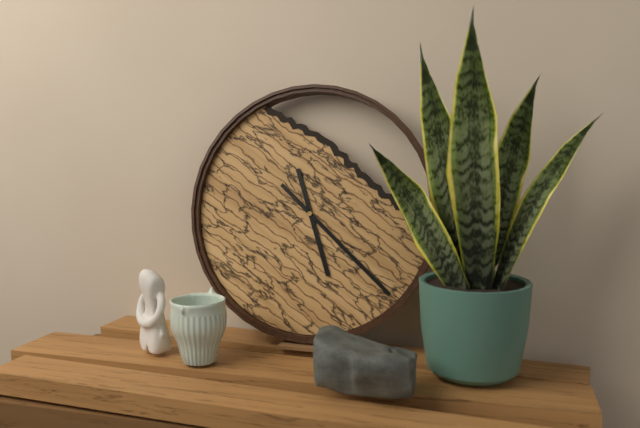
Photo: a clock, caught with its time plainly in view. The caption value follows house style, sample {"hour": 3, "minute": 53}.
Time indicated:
{"hour": 5, "minute": 22}
